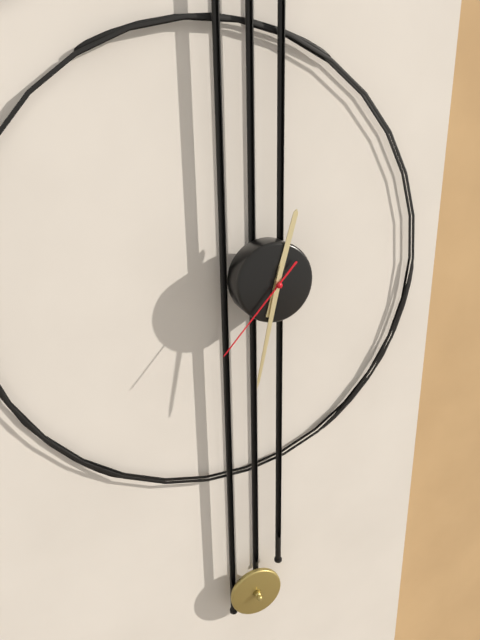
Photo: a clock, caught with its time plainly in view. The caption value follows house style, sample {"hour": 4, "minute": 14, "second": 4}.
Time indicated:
{"hour": 12, "minute": 32, "second": 37}
